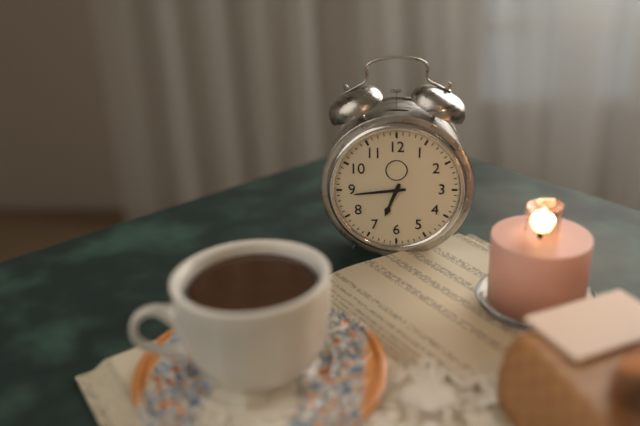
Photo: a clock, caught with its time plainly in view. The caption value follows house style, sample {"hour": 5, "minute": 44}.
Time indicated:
{"hour": 6, "minute": 44}
